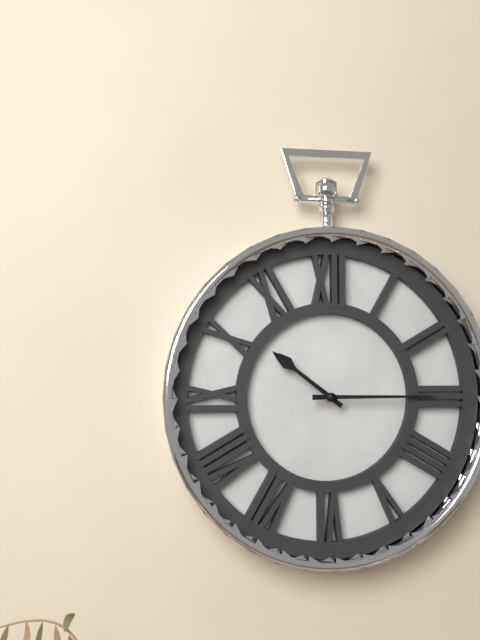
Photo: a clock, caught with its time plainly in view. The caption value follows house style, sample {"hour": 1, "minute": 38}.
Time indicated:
{"hour": 10, "minute": 15}
